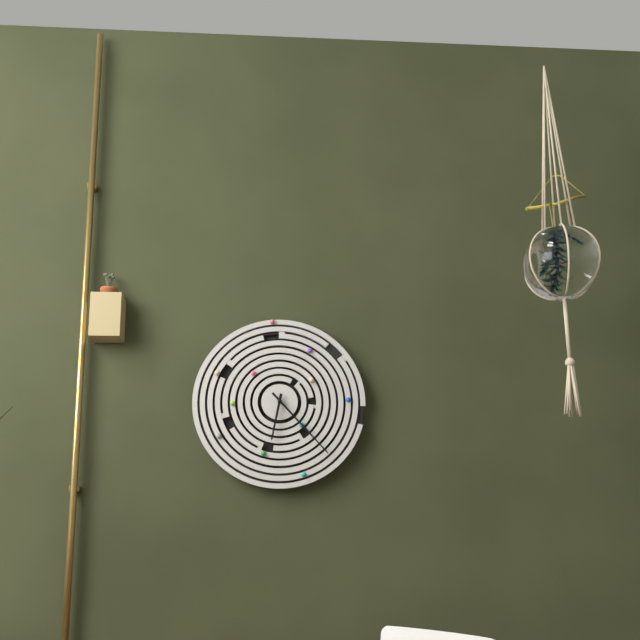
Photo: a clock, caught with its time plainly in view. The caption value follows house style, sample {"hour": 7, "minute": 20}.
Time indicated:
{"hour": 6, "minute": 23}
